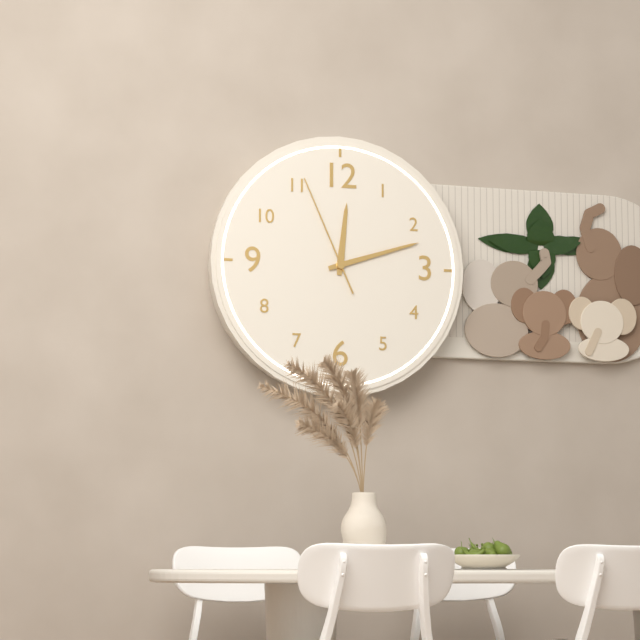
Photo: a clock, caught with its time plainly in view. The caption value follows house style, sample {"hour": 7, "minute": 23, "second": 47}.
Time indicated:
{"hour": 12, "minute": 12, "second": 56}
